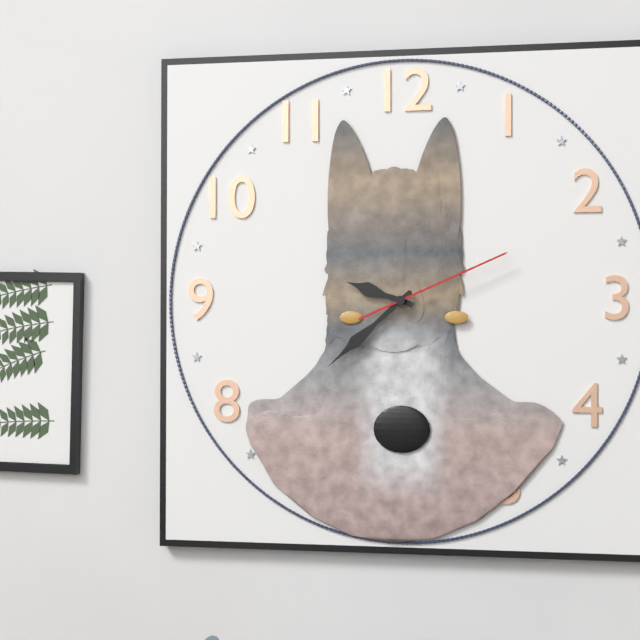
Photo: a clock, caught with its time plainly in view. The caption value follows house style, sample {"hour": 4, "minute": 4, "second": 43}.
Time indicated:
{"hour": 9, "minute": 38, "second": 11}
